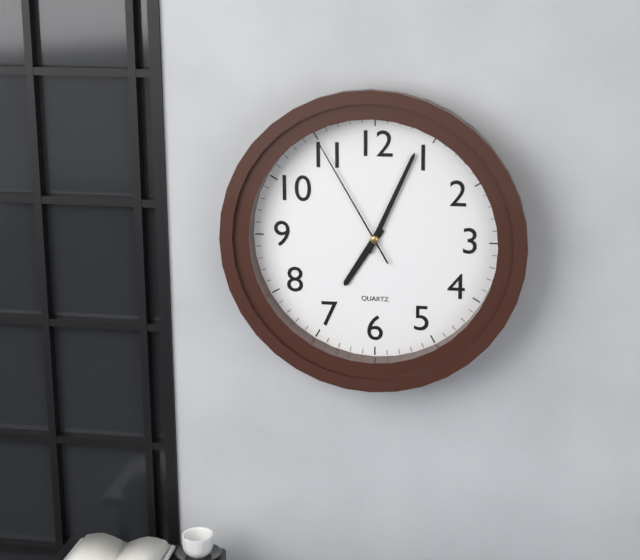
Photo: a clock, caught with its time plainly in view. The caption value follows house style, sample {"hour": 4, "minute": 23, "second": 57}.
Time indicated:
{"hour": 7, "minute": 4, "second": 55}
